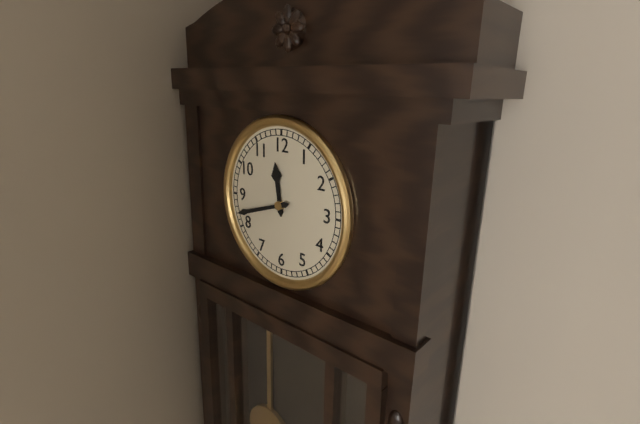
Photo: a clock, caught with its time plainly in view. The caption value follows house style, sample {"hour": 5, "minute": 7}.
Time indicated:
{"hour": 11, "minute": 42}
